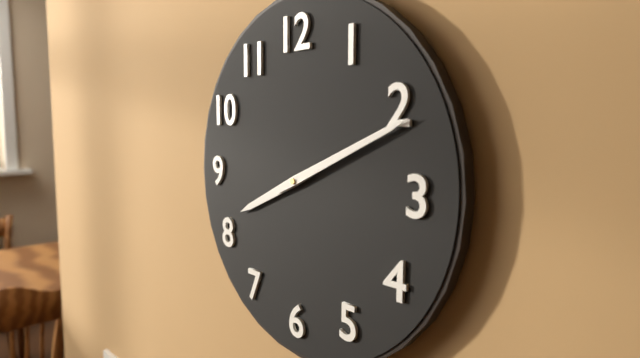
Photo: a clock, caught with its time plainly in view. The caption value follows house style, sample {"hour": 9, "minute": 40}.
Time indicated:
{"hour": 8, "minute": 11}
